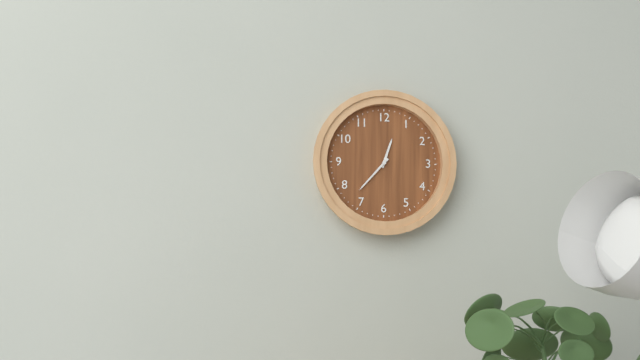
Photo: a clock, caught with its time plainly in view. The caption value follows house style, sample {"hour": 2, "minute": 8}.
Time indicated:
{"hour": 12, "minute": 37}
